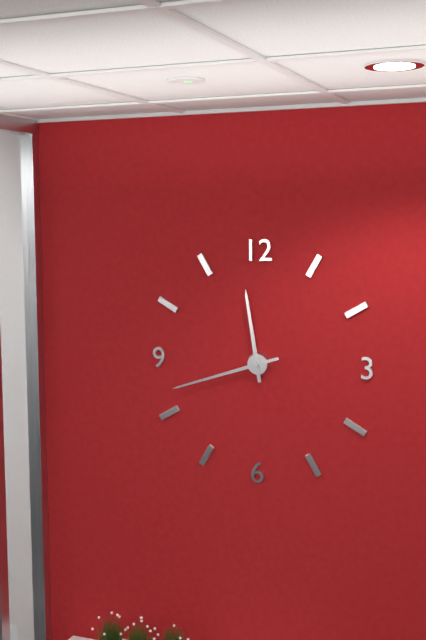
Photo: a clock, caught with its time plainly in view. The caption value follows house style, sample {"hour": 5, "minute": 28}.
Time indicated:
{"hour": 11, "minute": 42}
